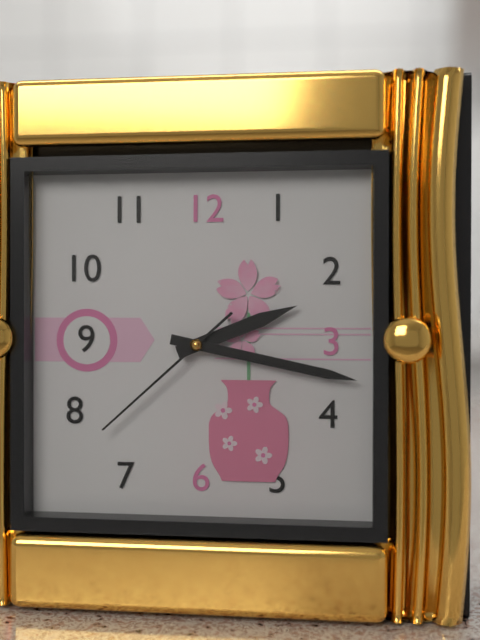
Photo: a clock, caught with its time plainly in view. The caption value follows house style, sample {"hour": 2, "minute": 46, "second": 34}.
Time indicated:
{"hour": 2, "minute": 17, "second": 38}
